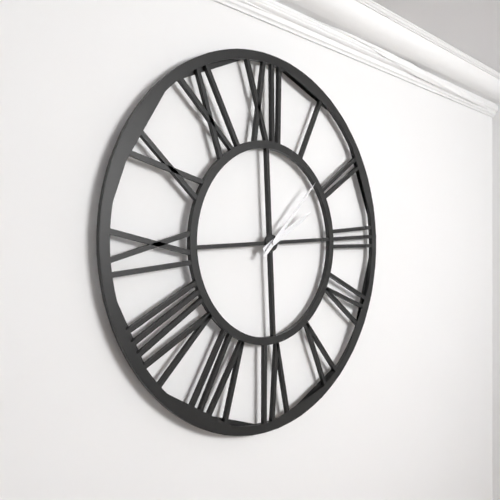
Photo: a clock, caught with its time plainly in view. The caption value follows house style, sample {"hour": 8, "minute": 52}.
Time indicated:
{"hour": 2, "minute": 8}
